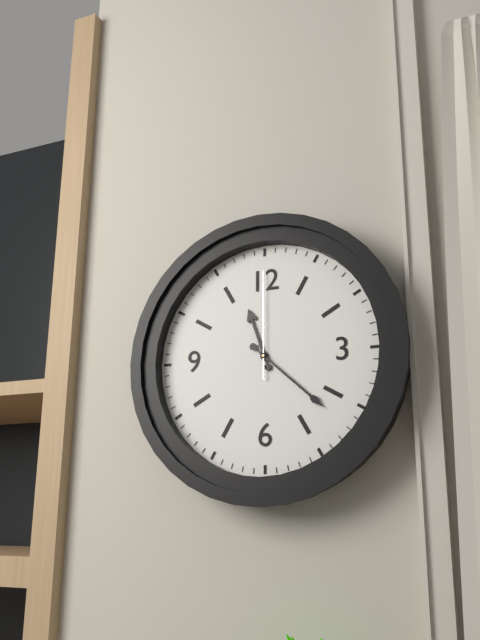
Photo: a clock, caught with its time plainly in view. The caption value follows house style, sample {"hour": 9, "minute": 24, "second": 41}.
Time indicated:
{"hour": 11, "minute": 22, "second": 0}
